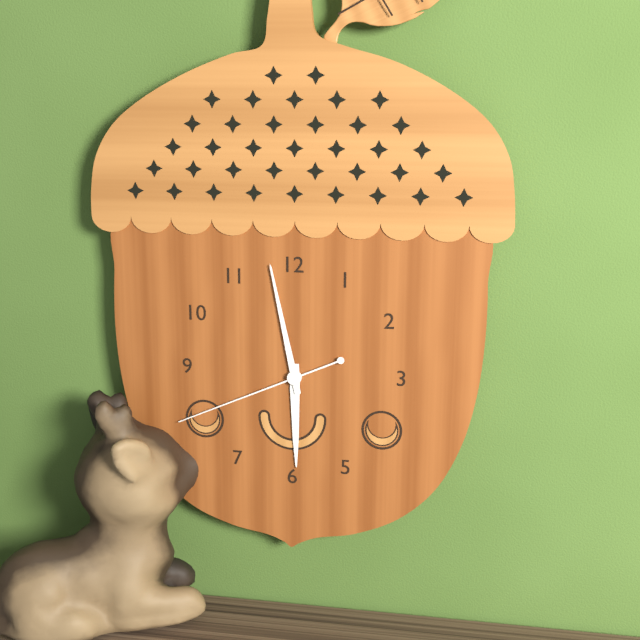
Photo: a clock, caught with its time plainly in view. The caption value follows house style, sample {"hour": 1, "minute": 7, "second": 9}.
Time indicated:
{"hour": 5, "minute": 58, "second": 41}
